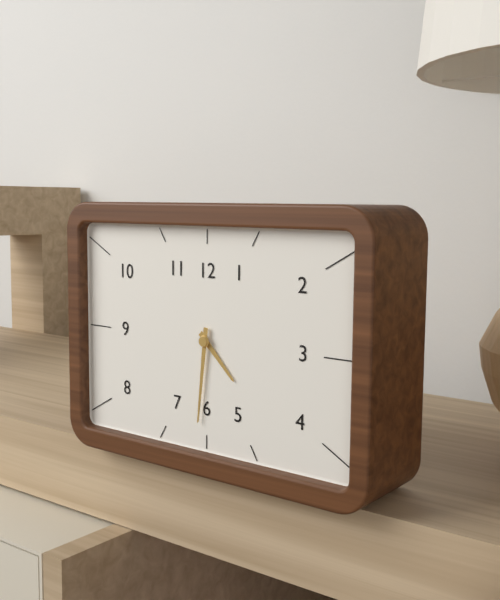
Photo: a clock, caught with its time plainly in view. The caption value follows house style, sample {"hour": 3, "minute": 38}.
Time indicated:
{"hour": 4, "minute": 31}
